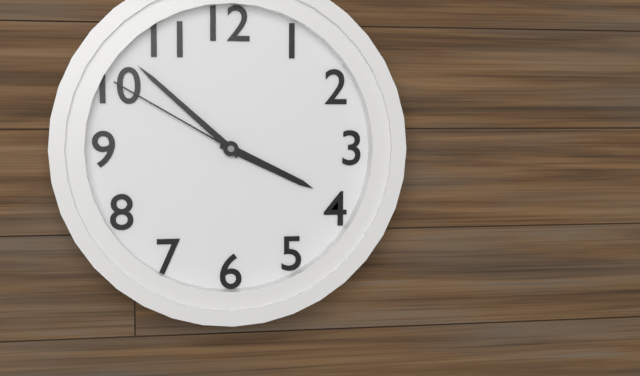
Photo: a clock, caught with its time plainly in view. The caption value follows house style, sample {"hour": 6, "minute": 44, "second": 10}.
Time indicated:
{"hour": 3, "minute": 52, "second": 50}
